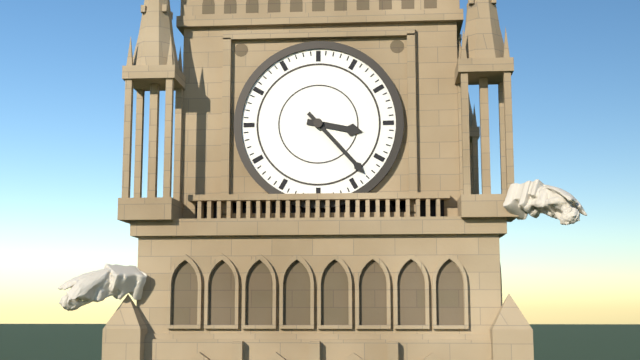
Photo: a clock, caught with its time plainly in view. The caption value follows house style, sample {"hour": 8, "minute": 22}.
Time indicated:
{"hour": 3, "minute": 23}
